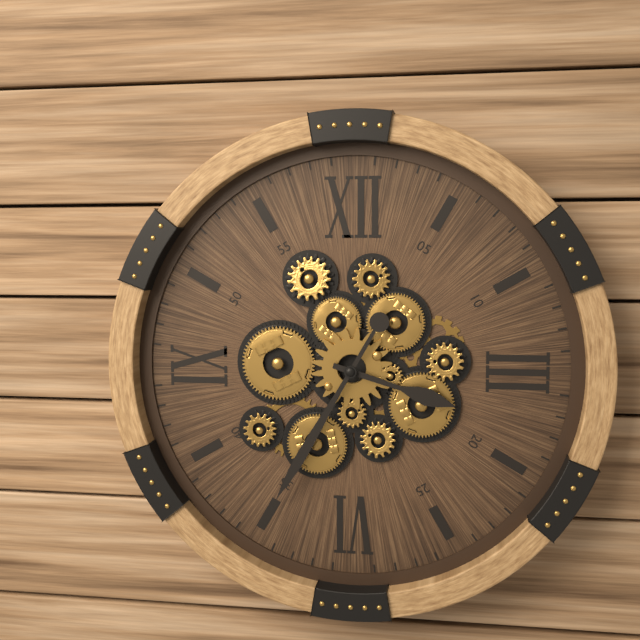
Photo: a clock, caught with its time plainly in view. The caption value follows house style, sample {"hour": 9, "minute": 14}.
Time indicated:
{"hour": 3, "minute": 35}
